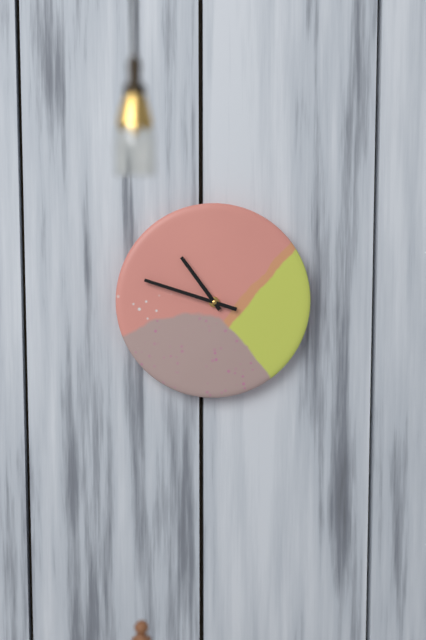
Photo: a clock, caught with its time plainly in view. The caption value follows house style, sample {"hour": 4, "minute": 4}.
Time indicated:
{"hour": 10, "minute": 48}
